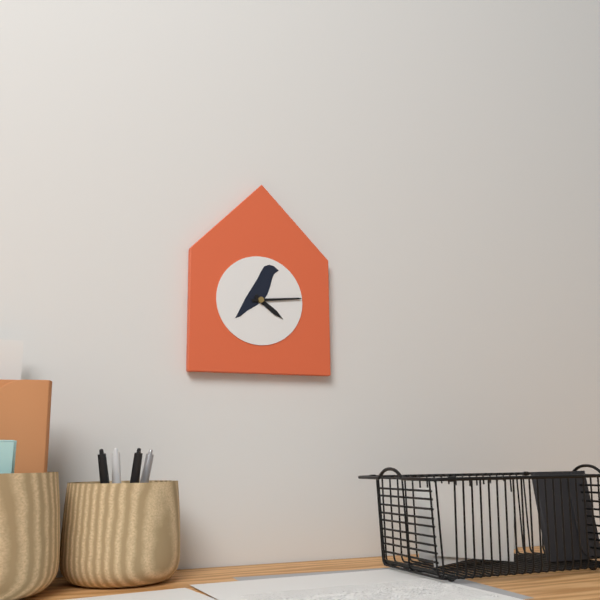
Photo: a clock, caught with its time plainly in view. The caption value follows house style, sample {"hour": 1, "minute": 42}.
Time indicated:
{"hour": 4, "minute": 14}
